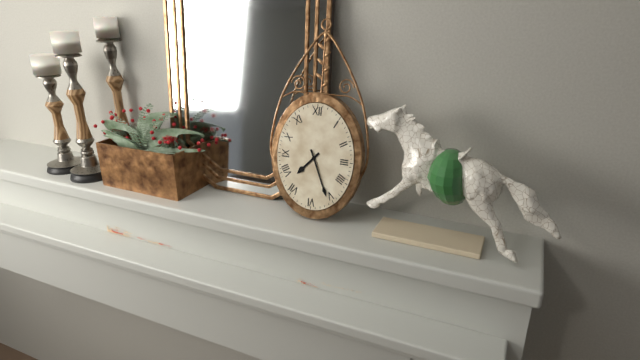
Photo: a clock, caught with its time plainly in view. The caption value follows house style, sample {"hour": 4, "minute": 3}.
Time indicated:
{"hour": 7, "minute": 26}
